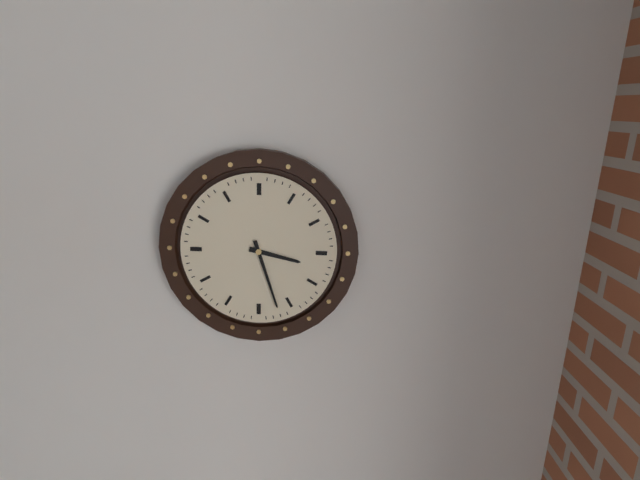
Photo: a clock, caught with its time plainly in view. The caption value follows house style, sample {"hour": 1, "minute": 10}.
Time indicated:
{"hour": 3, "minute": 27}
